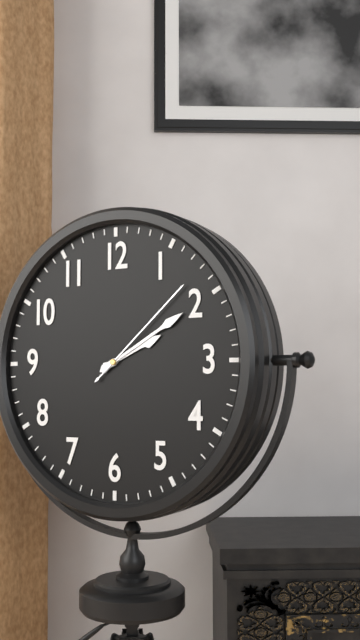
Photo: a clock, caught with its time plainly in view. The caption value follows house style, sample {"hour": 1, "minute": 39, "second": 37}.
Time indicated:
{"hour": 2, "minute": 10, "second": 8}
